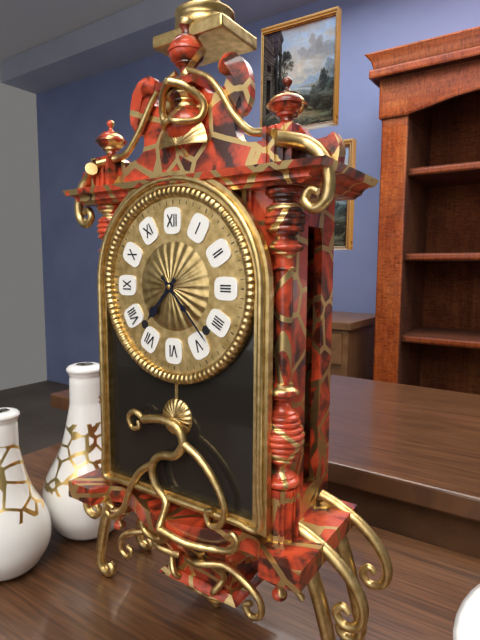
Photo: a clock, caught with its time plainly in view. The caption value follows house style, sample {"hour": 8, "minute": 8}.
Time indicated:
{"hour": 7, "minute": 23}
